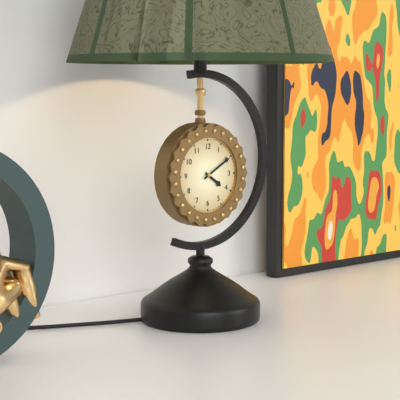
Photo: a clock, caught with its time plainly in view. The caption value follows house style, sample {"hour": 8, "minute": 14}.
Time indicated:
{"hour": 4, "minute": 10}
